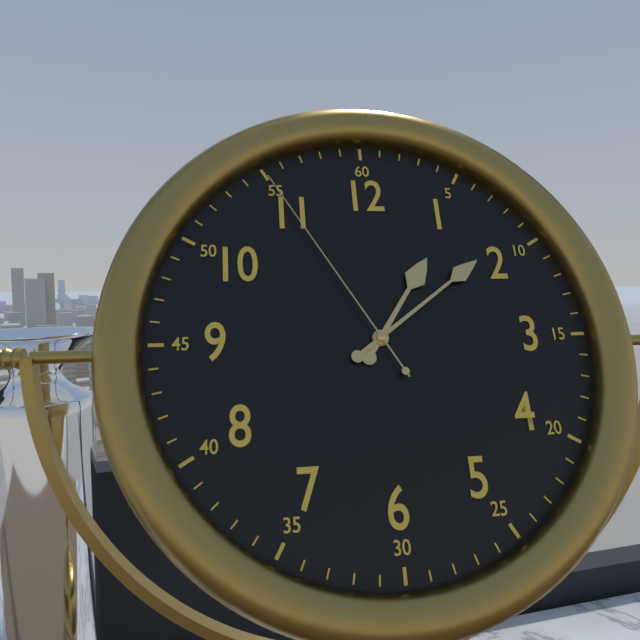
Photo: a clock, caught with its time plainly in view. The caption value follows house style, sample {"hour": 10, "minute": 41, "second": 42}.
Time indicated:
{"hour": 1, "minute": 9, "second": 55}
